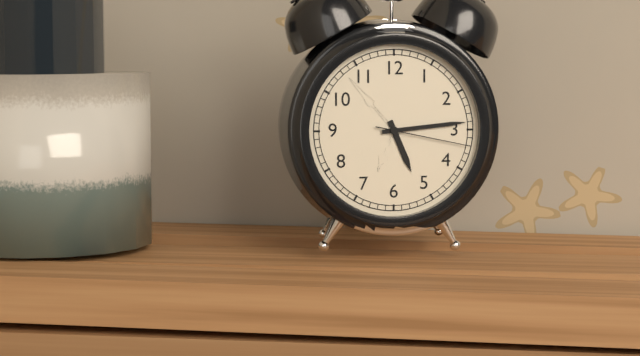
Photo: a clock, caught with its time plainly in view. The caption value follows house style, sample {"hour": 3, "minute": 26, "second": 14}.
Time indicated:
{"hour": 5, "minute": 14, "second": 17}
